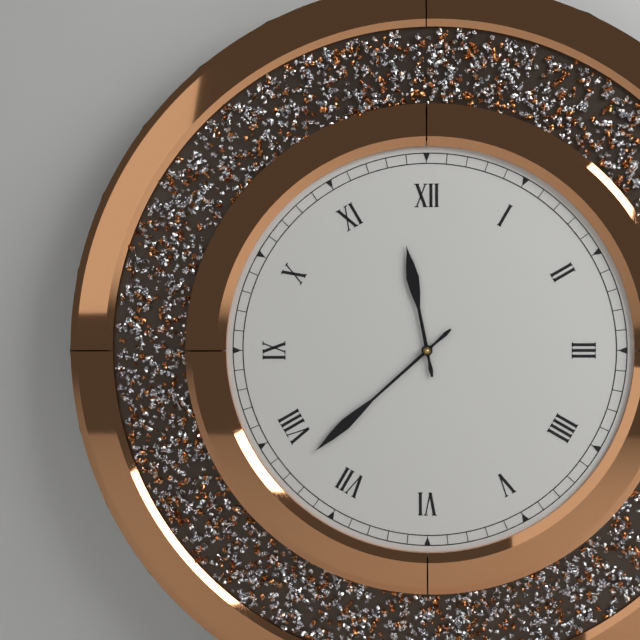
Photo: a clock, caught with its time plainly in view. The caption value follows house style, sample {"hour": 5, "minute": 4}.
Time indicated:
{"hour": 11, "minute": 38}
